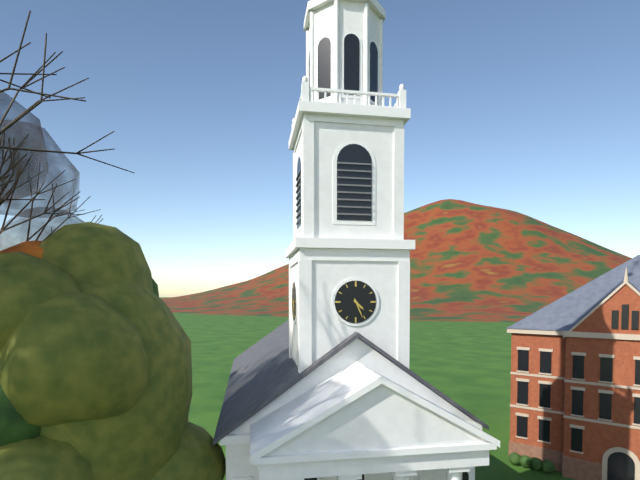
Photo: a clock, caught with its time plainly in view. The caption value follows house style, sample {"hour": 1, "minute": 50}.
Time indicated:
{"hour": 4, "minute": 26}
